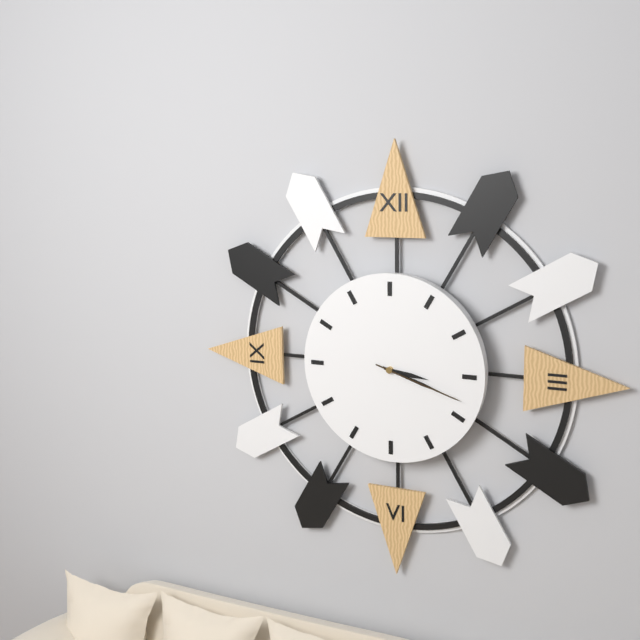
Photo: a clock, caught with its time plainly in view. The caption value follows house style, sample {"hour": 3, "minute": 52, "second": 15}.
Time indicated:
{"hour": 3, "minute": 18, "second": 18}
